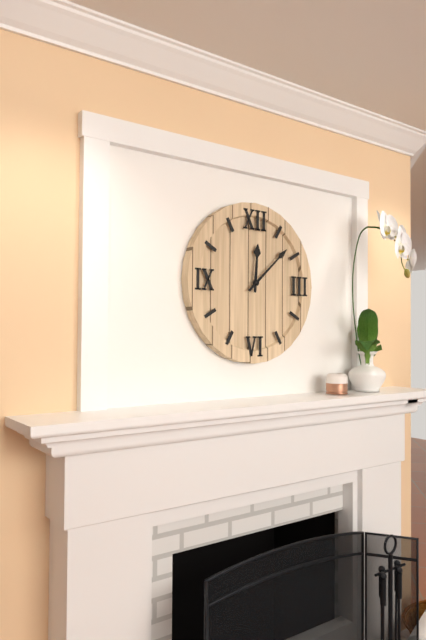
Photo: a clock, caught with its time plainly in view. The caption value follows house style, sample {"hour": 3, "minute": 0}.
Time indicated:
{"hour": 12, "minute": 8}
